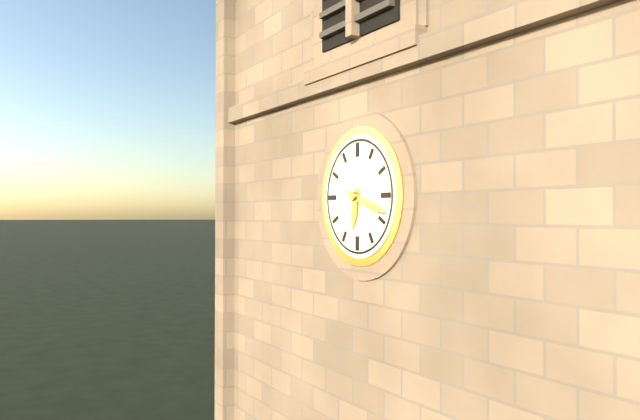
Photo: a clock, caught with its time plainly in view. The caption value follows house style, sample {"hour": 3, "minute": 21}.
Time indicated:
{"hour": 6, "minute": 18}
